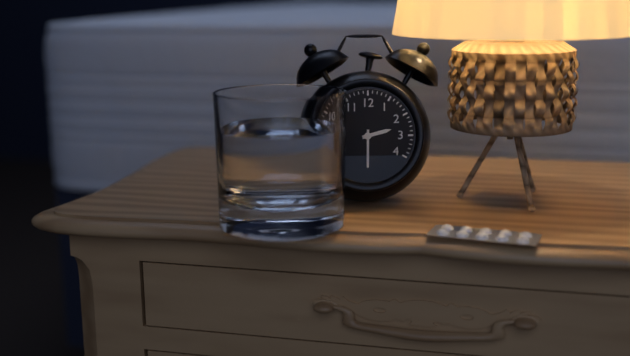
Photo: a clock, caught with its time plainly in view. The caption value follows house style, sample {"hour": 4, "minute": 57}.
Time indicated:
{"hour": 2, "minute": 30}
